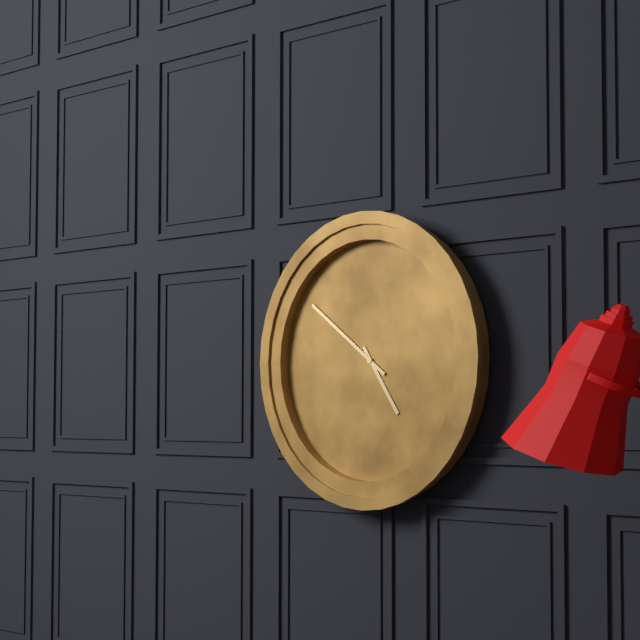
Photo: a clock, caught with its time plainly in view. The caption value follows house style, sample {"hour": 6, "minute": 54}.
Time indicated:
{"hour": 4, "minute": 51}
